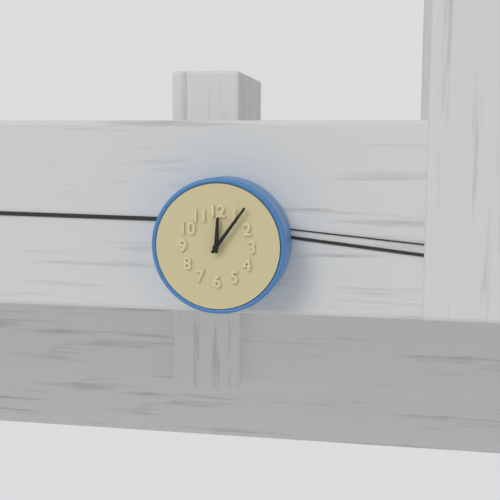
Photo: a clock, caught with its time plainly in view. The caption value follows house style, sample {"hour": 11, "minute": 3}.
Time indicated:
{"hour": 12, "minute": 6}
